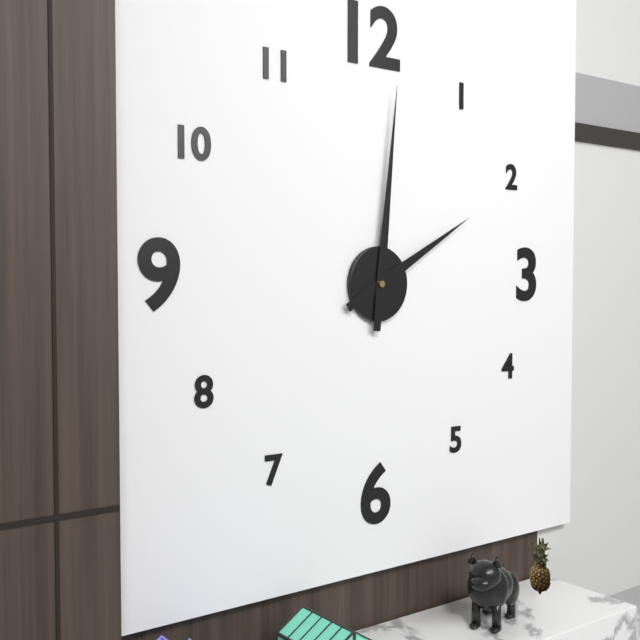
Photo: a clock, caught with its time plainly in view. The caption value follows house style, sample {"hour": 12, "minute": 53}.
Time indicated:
{"hour": 2, "minute": 1}
